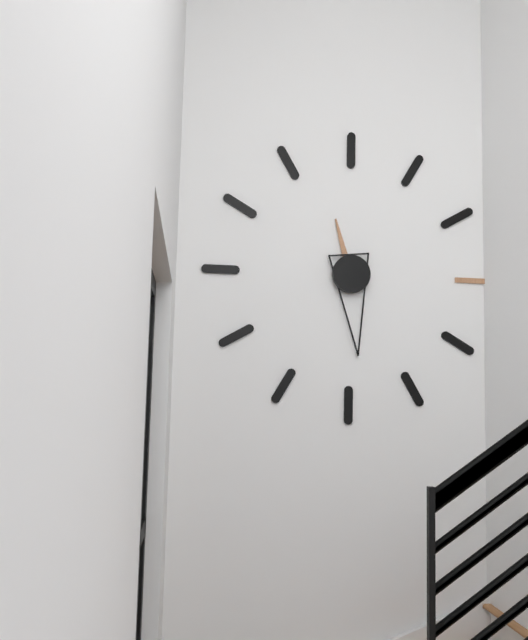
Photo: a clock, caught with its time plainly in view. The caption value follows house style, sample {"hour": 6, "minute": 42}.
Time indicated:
{"hour": 11, "minute": 29}
